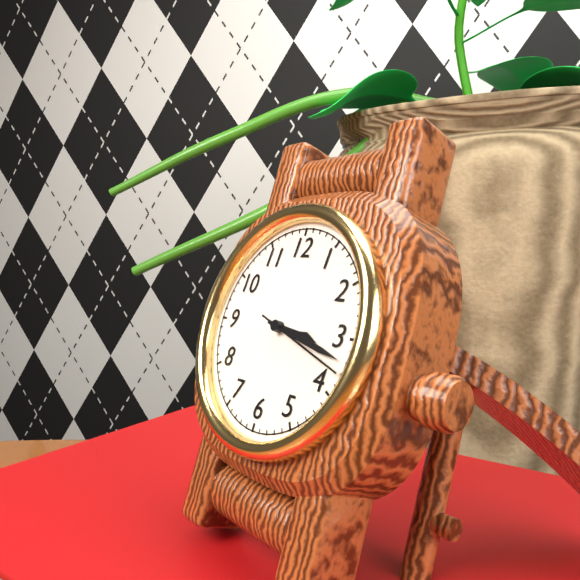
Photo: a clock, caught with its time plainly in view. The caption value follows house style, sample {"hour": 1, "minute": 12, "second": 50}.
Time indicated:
{"hour": 3, "minute": 17, "second": 18}
